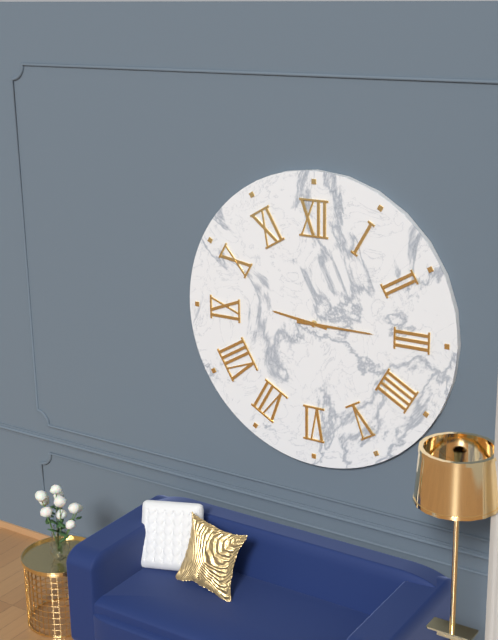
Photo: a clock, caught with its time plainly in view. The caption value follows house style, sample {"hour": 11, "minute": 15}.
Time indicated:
{"hour": 9, "minute": 15}
